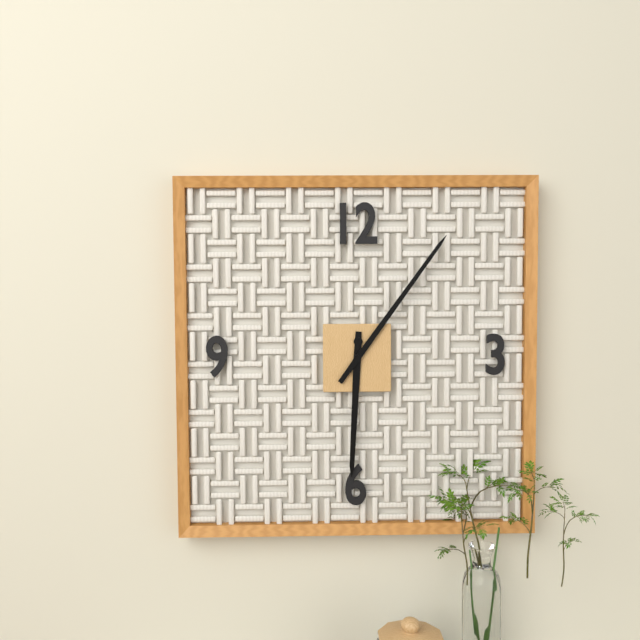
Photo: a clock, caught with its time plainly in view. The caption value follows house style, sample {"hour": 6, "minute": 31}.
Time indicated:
{"hour": 6, "minute": 6}
